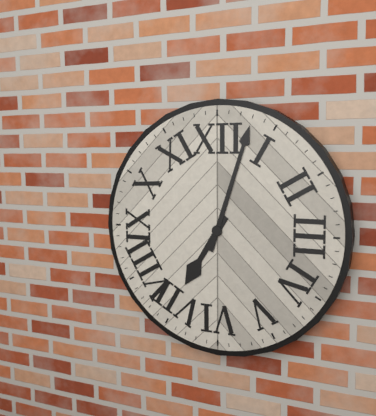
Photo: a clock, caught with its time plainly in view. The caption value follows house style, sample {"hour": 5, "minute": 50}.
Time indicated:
{"hour": 7, "minute": 3}
